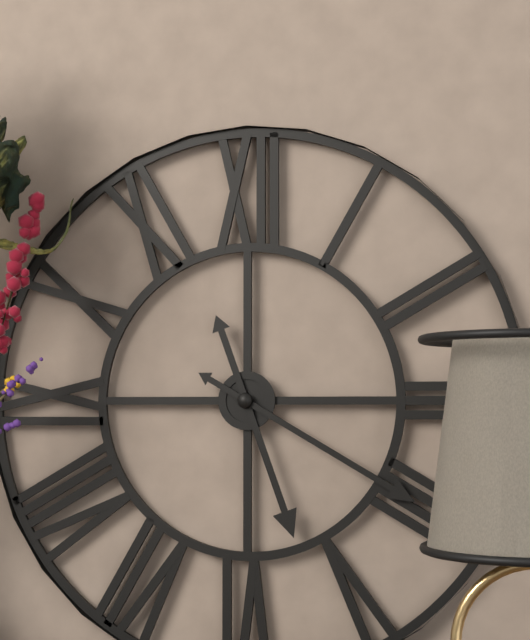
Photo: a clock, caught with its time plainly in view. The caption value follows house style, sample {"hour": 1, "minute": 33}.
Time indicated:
{"hour": 5, "minute": 20}
